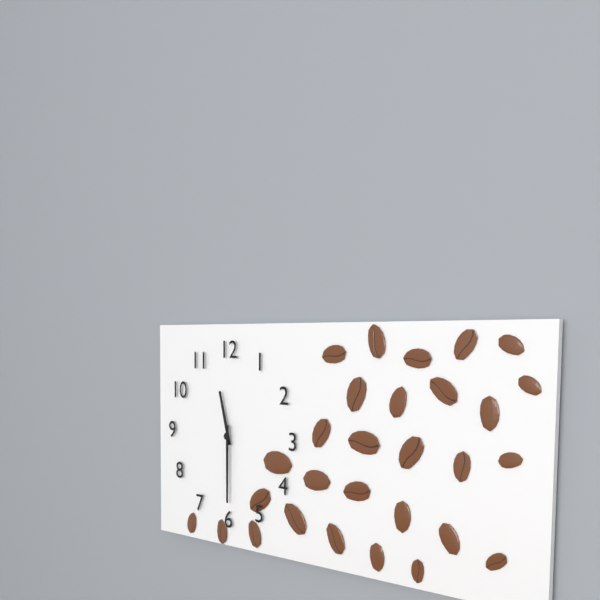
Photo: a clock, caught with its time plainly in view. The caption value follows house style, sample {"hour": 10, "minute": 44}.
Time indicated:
{"hour": 11, "minute": 30}
